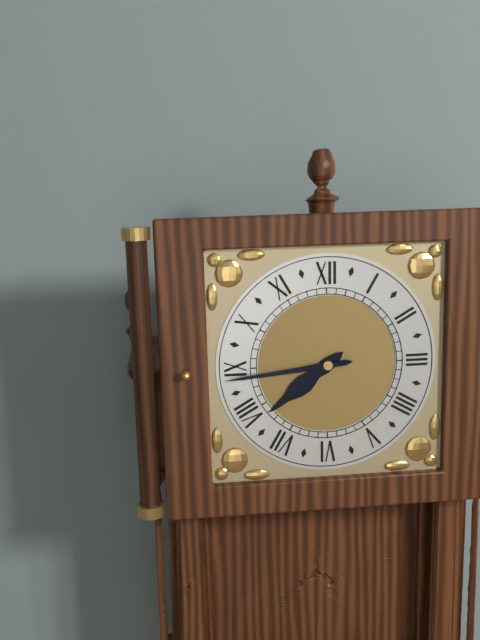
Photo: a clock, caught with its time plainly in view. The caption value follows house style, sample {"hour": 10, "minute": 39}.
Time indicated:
{"hour": 7, "minute": 44}
